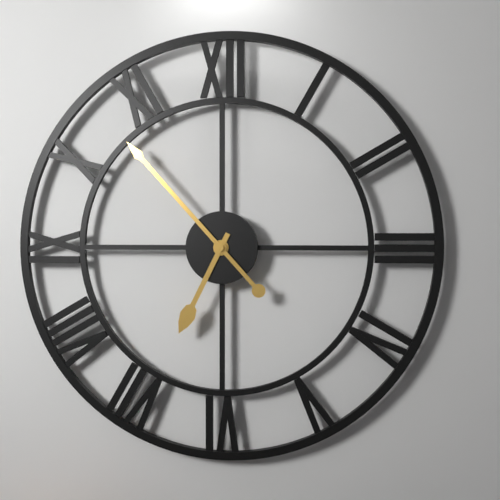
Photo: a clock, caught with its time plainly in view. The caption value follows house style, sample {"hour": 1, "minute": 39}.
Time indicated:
{"hour": 6, "minute": 53}
